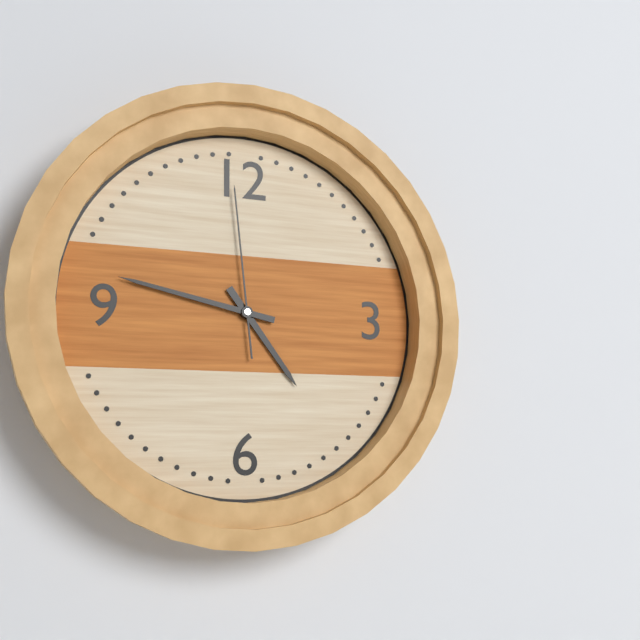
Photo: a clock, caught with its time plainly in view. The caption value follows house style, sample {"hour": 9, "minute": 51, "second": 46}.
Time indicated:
{"hour": 4, "minute": 47, "second": 59}
